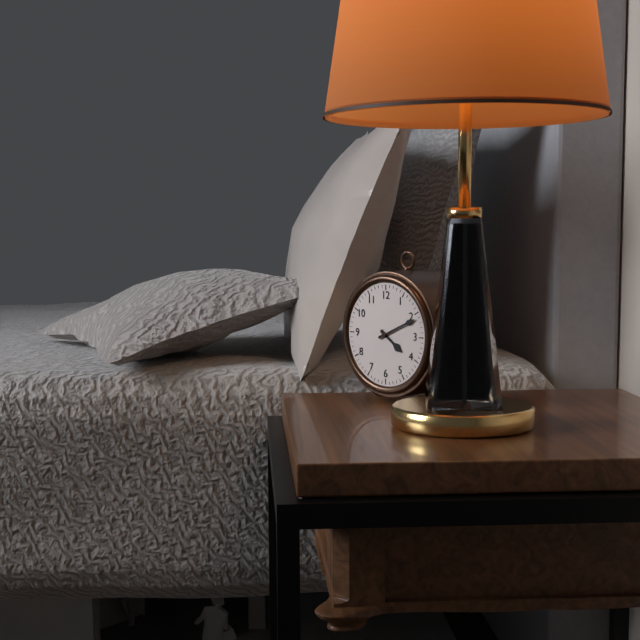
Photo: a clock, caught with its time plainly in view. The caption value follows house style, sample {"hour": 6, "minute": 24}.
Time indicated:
{"hour": 4, "minute": 11}
